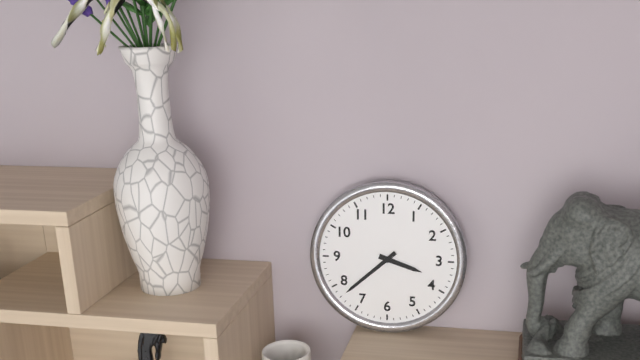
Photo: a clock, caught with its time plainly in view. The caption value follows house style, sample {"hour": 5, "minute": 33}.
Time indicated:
{"hour": 3, "minute": 38}
